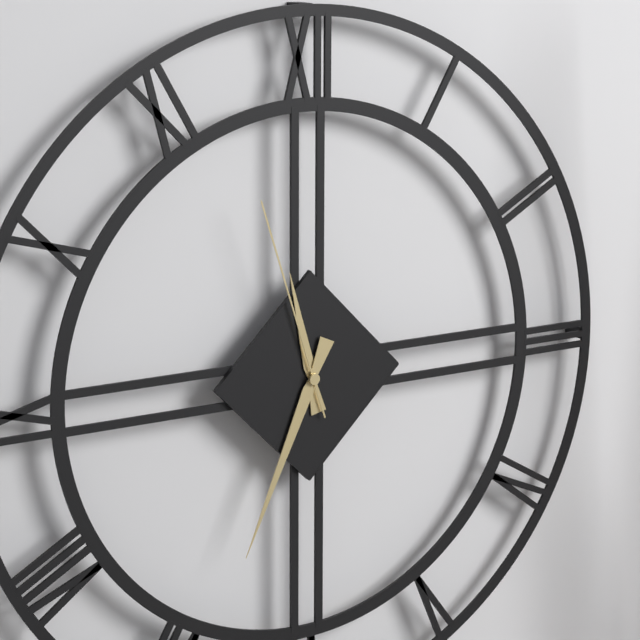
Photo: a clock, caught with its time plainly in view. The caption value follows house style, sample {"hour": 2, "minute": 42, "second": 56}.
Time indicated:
{"hour": 11, "minute": 34, "second": 57}
